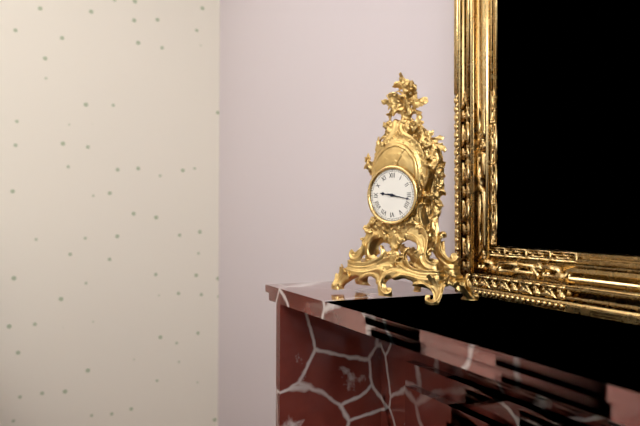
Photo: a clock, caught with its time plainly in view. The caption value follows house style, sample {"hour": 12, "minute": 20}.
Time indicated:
{"hour": 9, "minute": 17}
